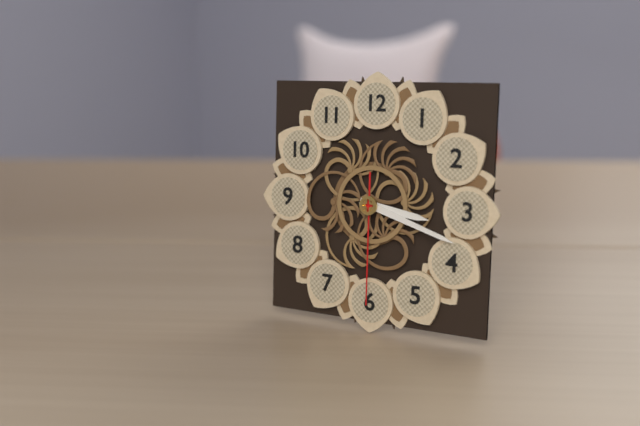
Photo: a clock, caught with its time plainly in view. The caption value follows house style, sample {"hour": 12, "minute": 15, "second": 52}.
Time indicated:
{"hour": 3, "minute": 18, "second": 30}
